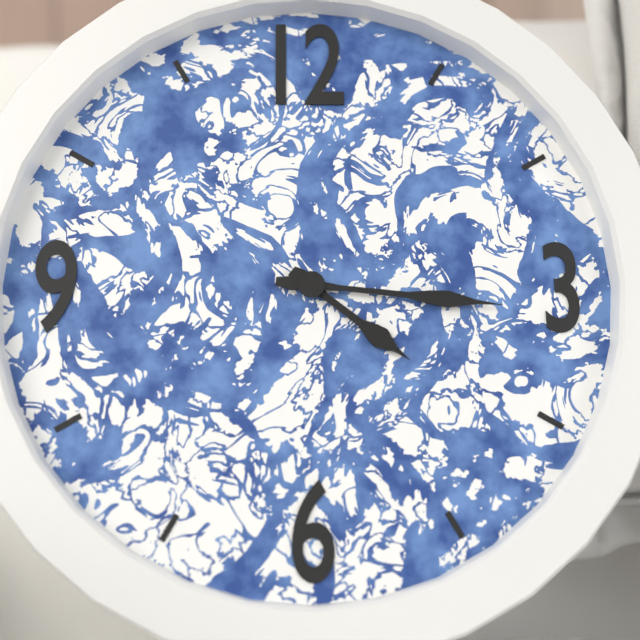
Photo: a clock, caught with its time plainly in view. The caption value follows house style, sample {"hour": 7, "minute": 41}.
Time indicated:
{"hour": 4, "minute": 16}
